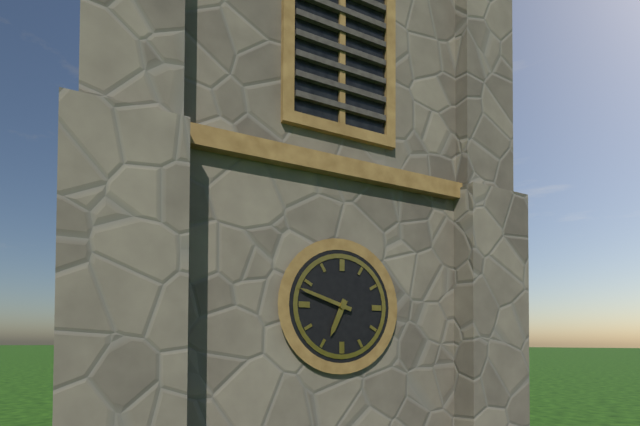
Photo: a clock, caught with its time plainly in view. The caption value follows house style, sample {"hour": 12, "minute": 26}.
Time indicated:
{"hour": 6, "minute": 48}
